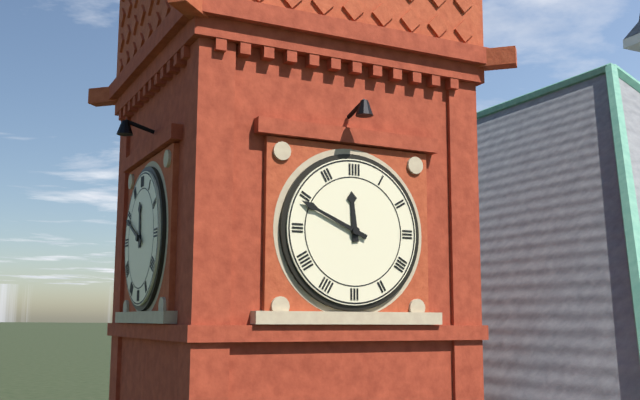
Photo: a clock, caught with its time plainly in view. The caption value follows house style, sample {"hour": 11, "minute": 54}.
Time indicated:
{"hour": 11, "minute": 49}
